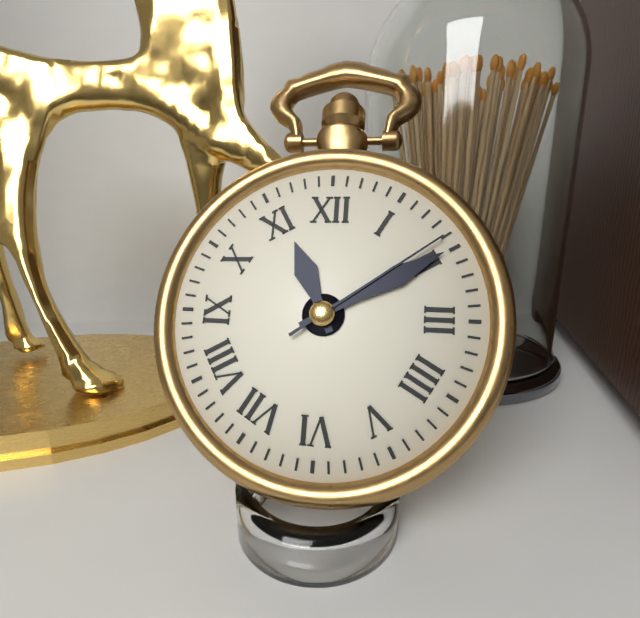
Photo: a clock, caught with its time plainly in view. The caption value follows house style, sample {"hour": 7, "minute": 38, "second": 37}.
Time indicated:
{"hour": 11, "minute": 10, "second": 9}
